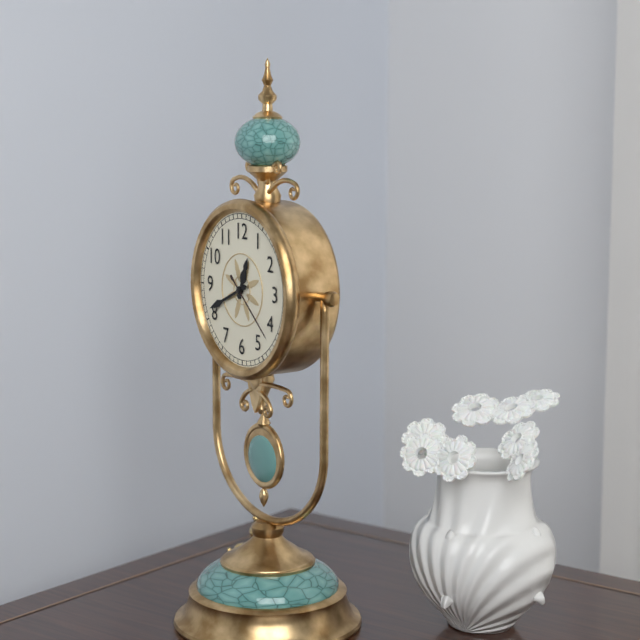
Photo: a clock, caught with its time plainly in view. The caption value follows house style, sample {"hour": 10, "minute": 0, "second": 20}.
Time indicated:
{"hour": 12, "minute": 41, "second": 22}
